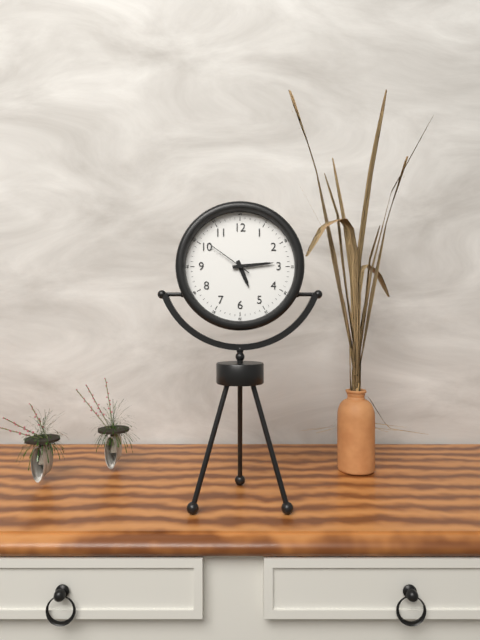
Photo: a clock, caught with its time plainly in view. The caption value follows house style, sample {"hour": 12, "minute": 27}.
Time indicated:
{"hour": 5, "minute": 14}
